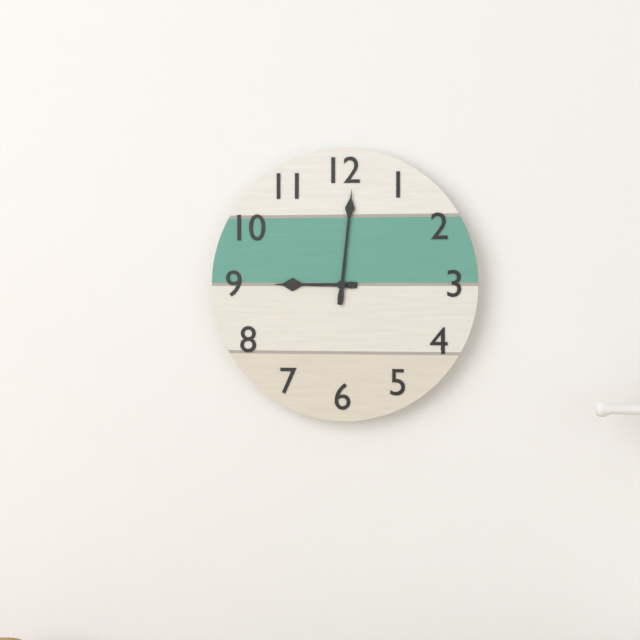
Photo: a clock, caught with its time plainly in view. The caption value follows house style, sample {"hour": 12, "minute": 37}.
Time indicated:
{"hour": 9, "minute": 1}
